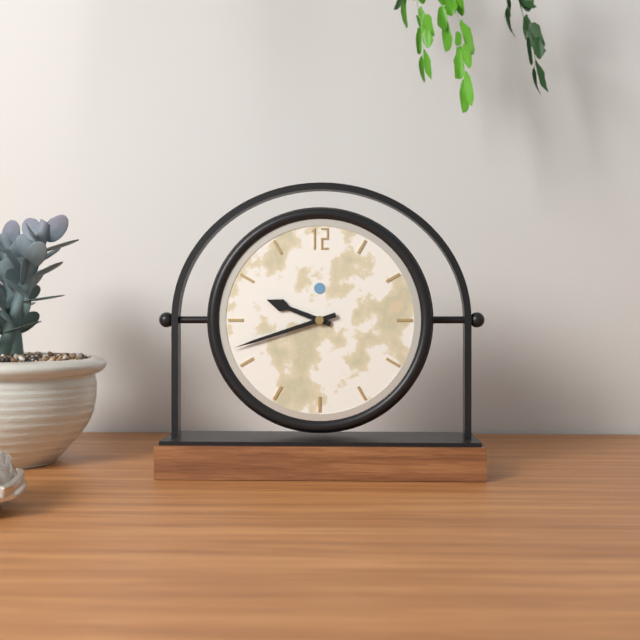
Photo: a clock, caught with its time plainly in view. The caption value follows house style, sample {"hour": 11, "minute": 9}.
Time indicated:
{"hour": 9, "minute": 42}
